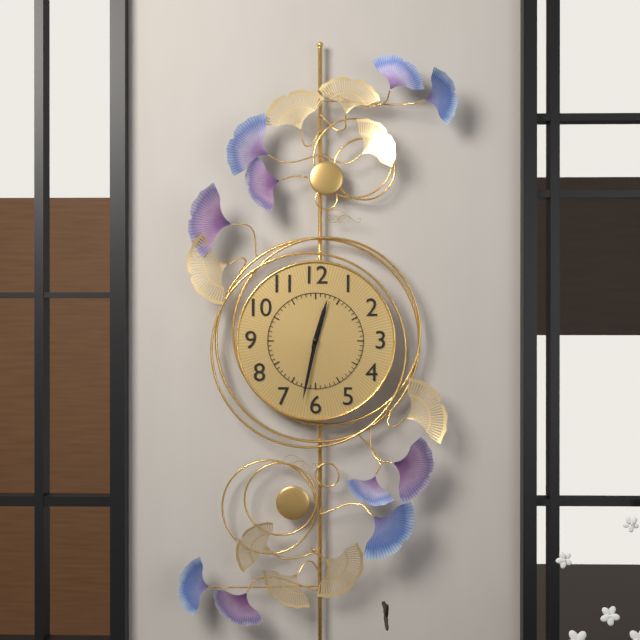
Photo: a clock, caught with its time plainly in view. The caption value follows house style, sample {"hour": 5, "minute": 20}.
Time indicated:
{"hour": 12, "minute": 32}
